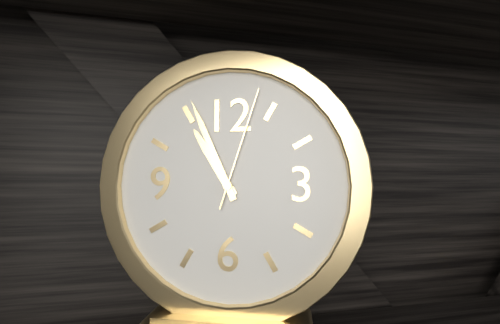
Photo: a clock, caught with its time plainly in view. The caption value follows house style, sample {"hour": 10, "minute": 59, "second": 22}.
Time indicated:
{"hour": 10, "minute": 56, "second": 3}
